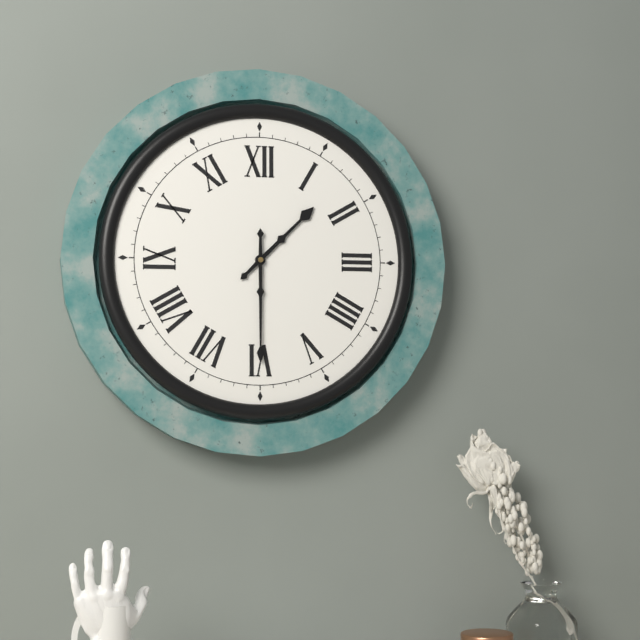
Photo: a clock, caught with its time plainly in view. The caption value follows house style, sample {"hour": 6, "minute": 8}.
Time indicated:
{"hour": 1, "minute": 30}
